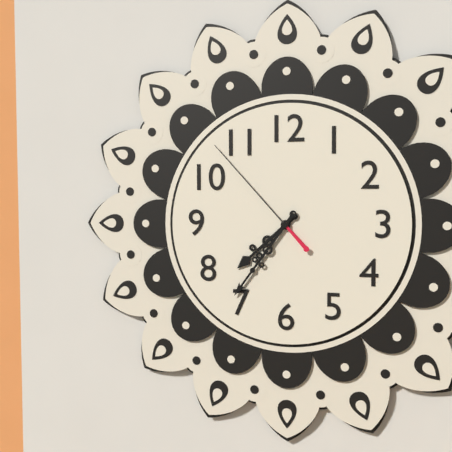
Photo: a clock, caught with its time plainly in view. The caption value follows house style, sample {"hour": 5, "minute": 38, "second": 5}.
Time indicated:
{"hour": 7, "minute": 36, "second": 53}
